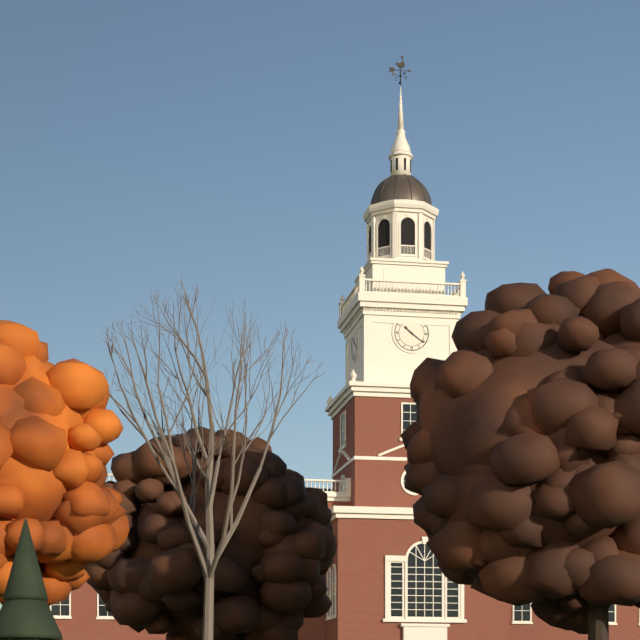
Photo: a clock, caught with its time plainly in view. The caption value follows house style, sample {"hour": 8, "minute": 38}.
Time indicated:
{"hour": 10, "minute": 21}
